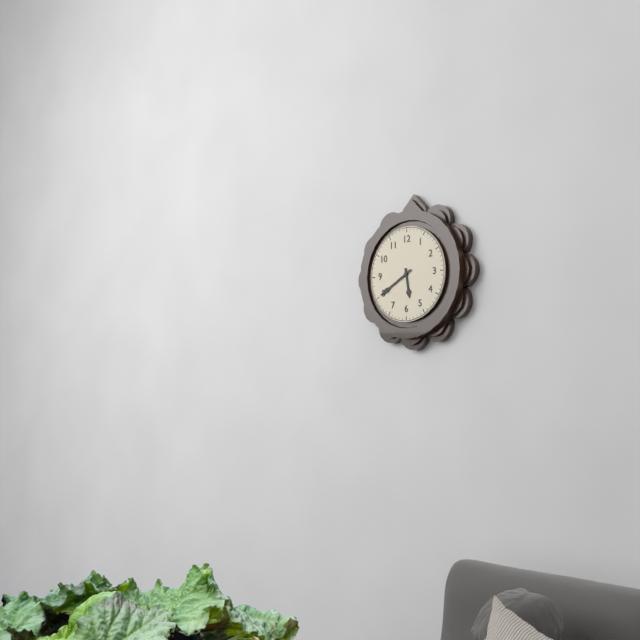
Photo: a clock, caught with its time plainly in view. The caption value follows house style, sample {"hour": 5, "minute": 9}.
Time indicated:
{"hour": 5, "minute": 40}
